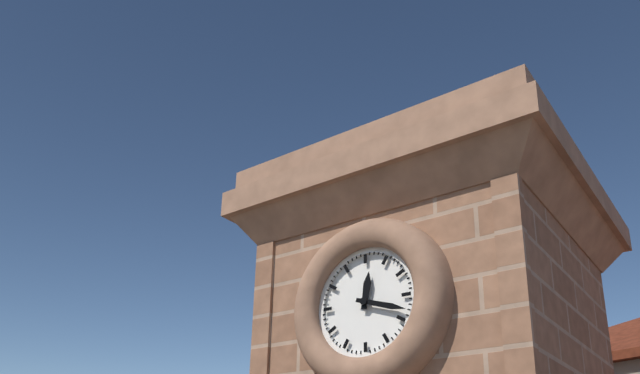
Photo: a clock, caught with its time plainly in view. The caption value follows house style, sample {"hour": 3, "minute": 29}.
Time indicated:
{"hour": 12, "minute": 18}
